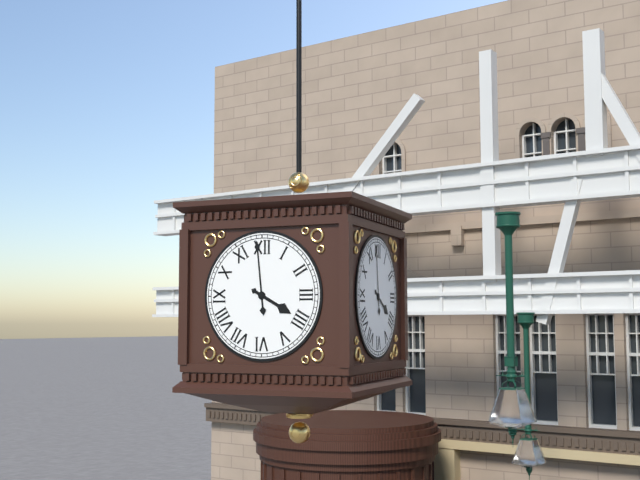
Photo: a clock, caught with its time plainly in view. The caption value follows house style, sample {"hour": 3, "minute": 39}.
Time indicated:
{"hour": 3, "minute": 59}
